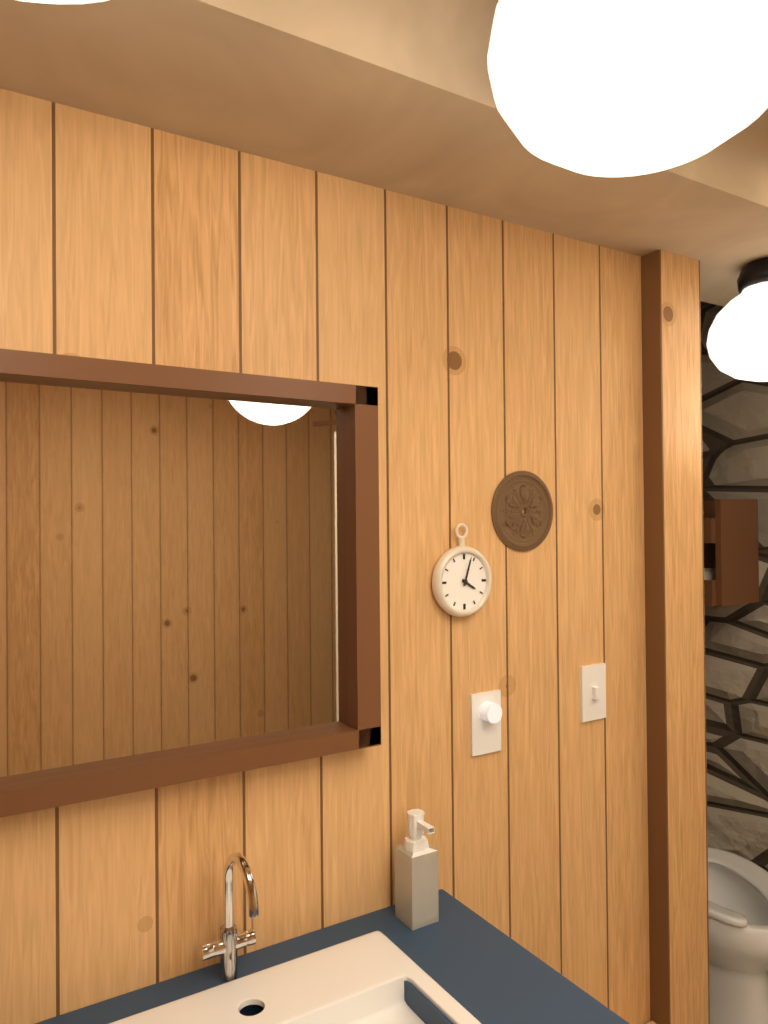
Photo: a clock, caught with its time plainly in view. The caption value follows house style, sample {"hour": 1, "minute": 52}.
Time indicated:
{"hour": 4, "minute": 3}
